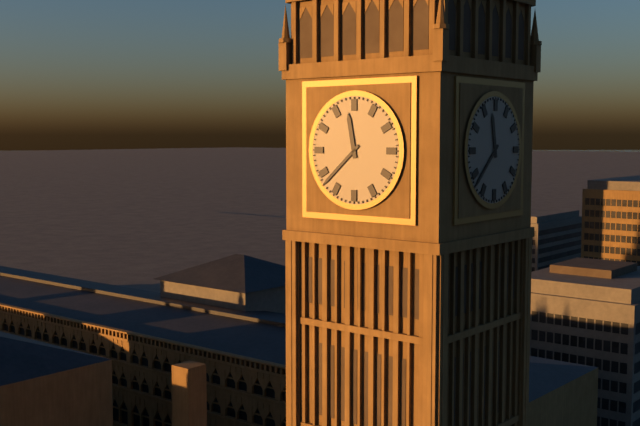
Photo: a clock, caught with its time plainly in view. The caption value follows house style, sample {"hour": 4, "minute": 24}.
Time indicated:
{"hour": 11, "minute": 38}
